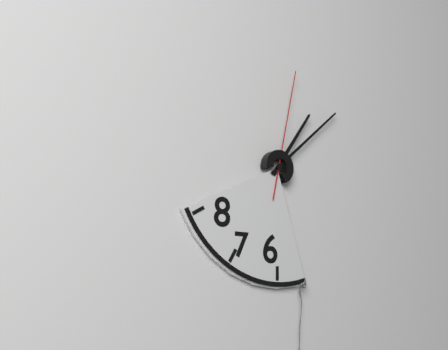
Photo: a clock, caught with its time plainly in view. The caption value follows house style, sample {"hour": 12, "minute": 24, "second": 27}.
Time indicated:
{"hour": 1, "minute": 8, "second": 2}
